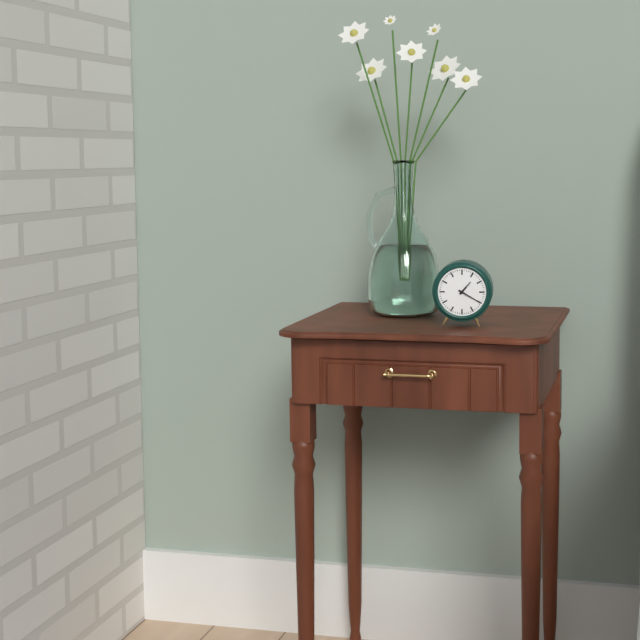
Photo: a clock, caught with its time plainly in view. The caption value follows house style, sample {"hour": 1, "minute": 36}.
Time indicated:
{"hour": 1, "minute": 20}
